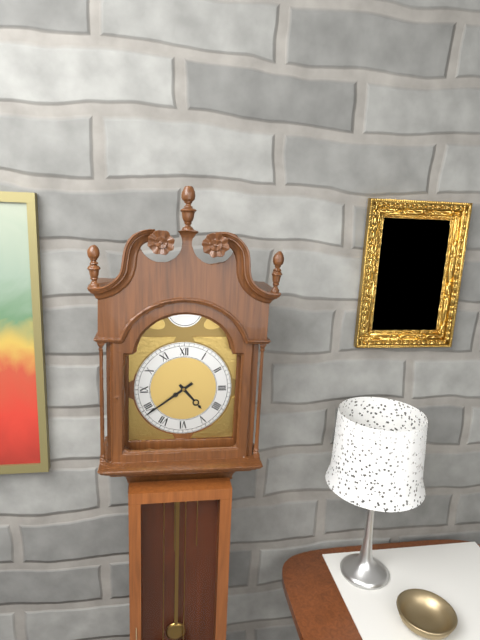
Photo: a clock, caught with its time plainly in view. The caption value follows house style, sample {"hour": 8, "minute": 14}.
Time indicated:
{"hour": 4, "minute": 39}
